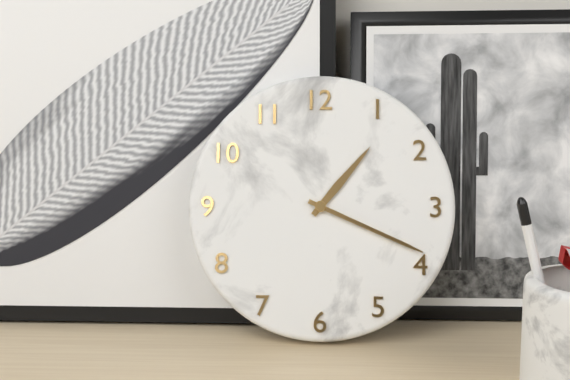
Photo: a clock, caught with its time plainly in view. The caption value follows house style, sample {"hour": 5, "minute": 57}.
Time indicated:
{"hour": 1, "minute": 19}
